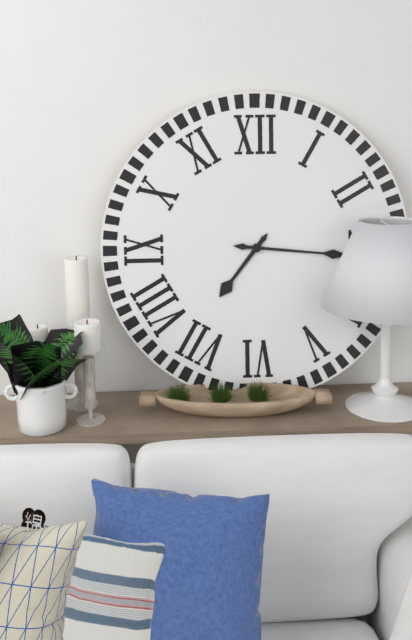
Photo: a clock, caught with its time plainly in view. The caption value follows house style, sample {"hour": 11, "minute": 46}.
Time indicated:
{"hour": 7, "minute": 16}
